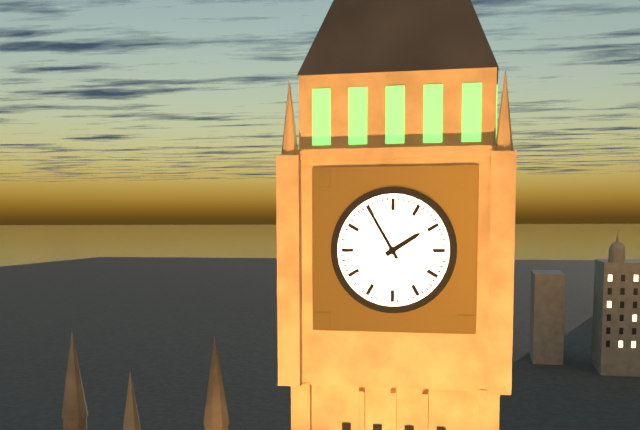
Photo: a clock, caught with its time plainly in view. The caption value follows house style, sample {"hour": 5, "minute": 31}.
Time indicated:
{"hour": 1, "minute": 55}
